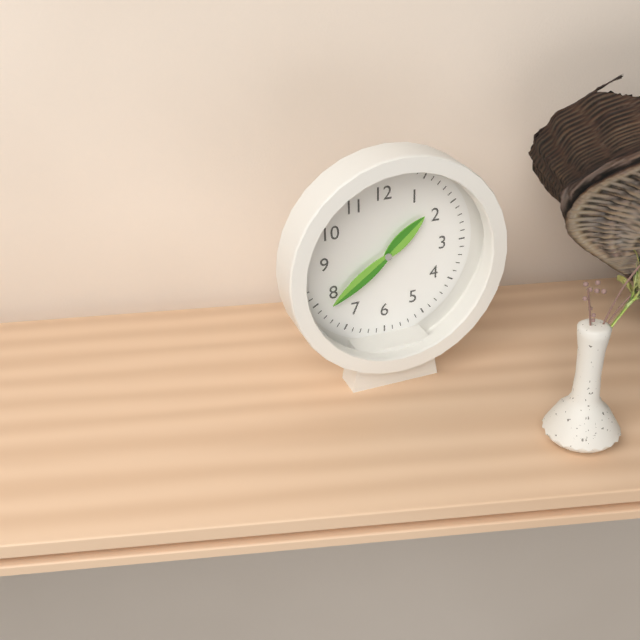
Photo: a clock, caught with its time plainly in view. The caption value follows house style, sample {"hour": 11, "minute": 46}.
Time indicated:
{"hour": 1, "minute": 39}
